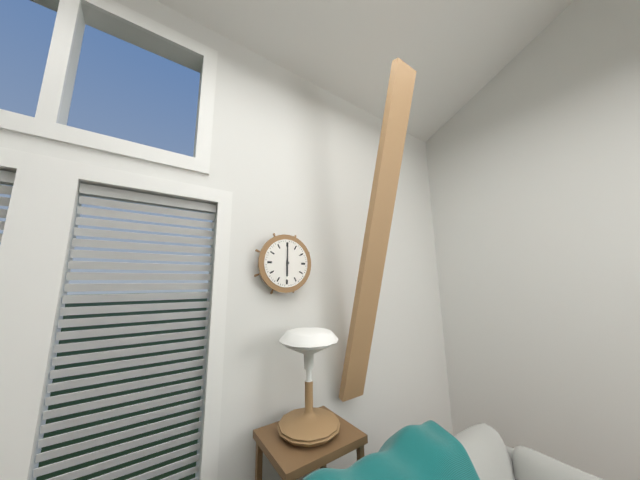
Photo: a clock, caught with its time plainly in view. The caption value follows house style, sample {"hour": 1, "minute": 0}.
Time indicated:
{"hour": 6, "minute": 0}
